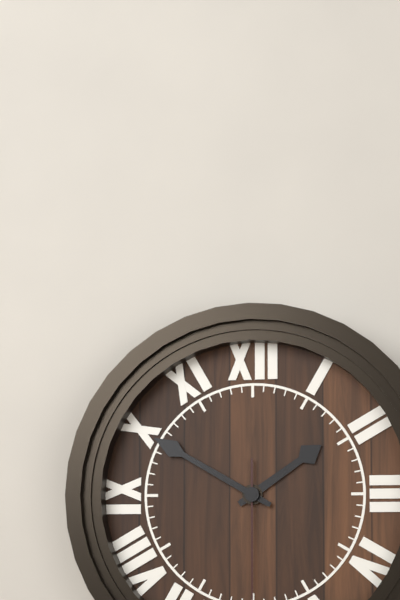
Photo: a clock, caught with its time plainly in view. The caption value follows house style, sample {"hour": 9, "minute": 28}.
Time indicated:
{"hour": 1, "minute": 50}
